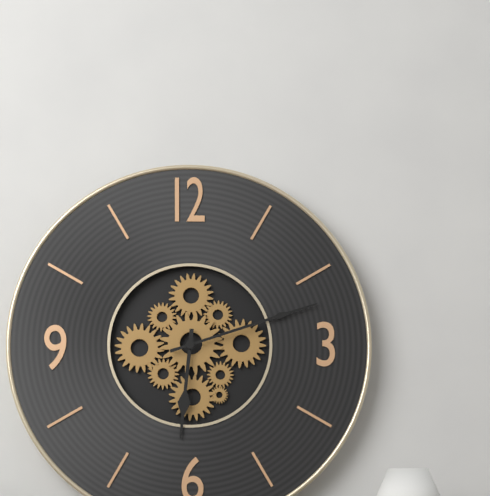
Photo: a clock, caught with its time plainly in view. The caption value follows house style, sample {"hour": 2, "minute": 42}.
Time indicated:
{"hour": 6, "minute": 12}
